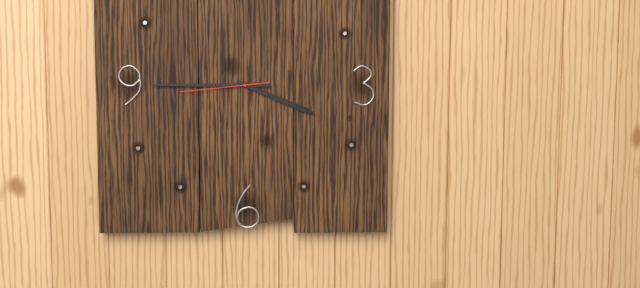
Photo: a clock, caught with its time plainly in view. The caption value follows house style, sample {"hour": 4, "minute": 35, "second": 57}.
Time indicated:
{"hour": 3, "minute": 45, "second": 44}
